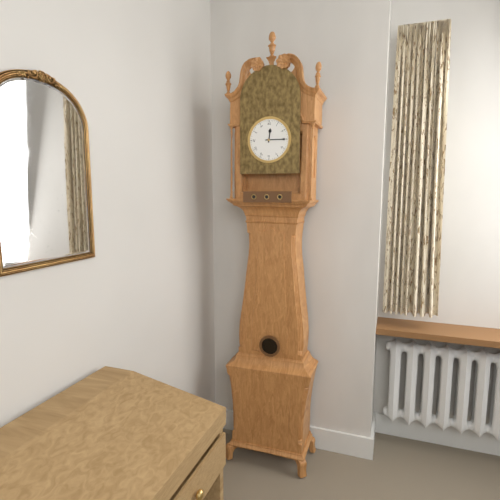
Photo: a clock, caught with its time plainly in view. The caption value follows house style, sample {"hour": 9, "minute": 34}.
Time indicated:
{"hour": 12, "minute": 15}
